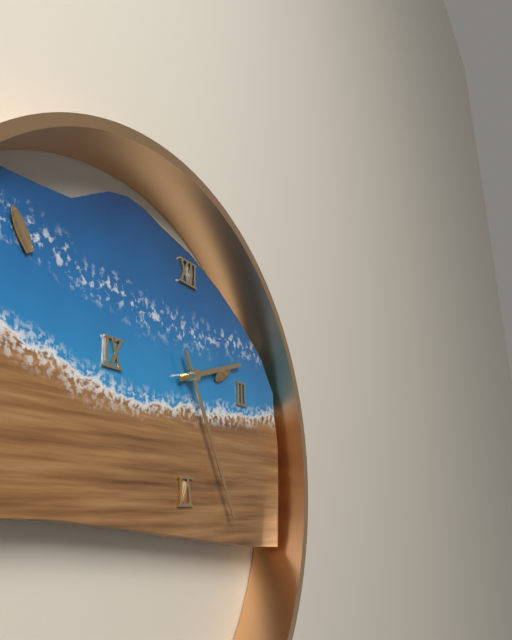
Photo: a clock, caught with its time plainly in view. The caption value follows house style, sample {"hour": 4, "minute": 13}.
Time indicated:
{"hour": 2, "minute": 25}
